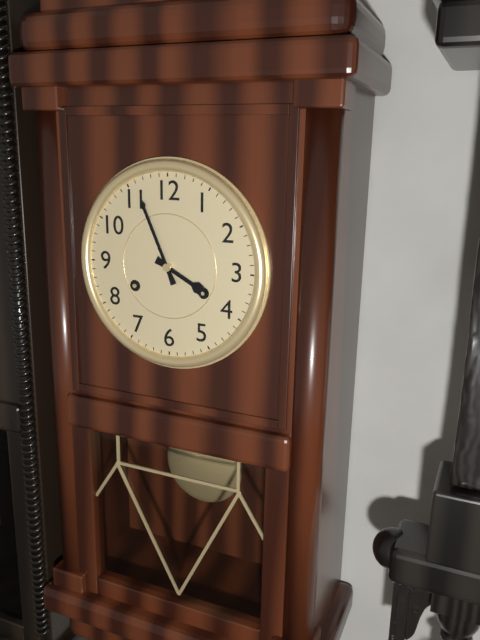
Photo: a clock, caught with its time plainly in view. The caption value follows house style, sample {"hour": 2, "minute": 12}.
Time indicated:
{"hour": 3, "minute": 56}
